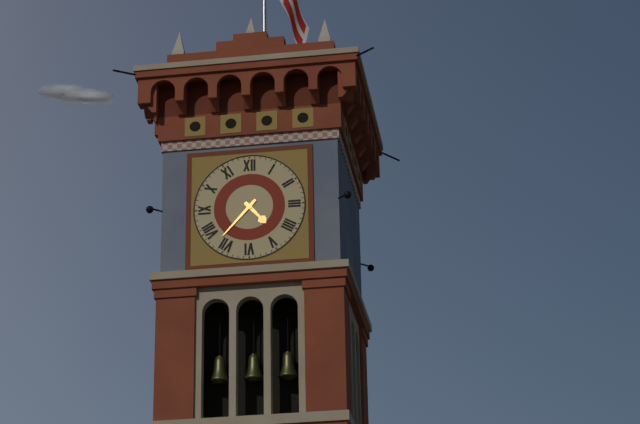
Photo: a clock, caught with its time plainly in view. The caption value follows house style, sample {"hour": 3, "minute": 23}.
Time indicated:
{"hour": 4, "minute": 37}
